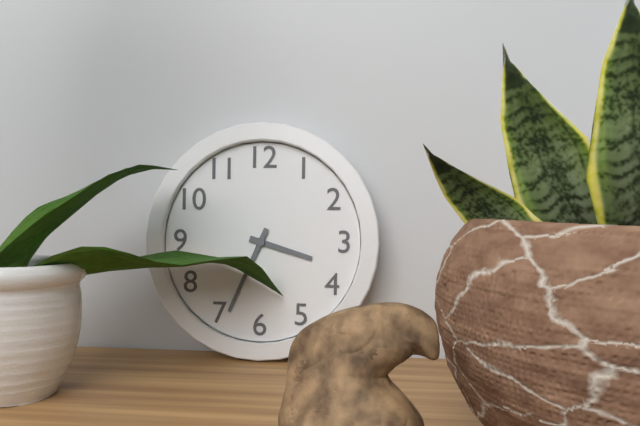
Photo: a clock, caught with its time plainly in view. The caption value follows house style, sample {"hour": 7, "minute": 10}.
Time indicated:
{"hour": 3, "minute": 34}
